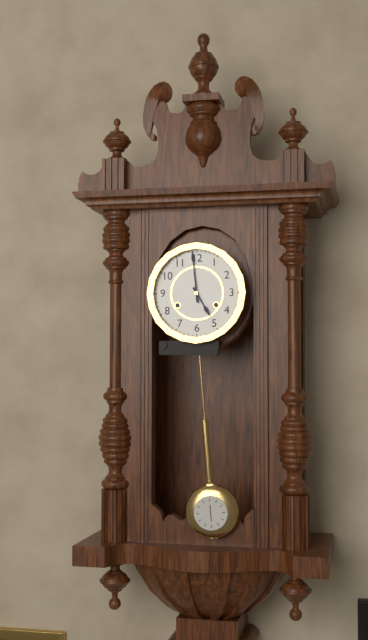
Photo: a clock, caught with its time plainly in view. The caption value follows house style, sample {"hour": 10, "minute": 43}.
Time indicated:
{"hour": 4, "minute": 59}
